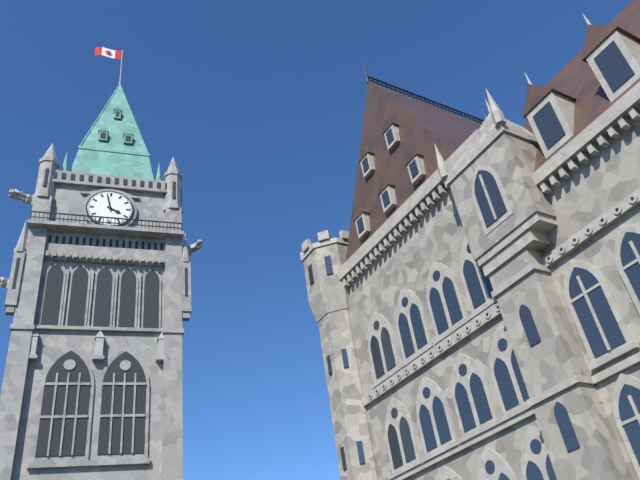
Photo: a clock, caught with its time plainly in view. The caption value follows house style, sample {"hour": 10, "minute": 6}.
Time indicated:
{"hour": 3, "minute": 58}
